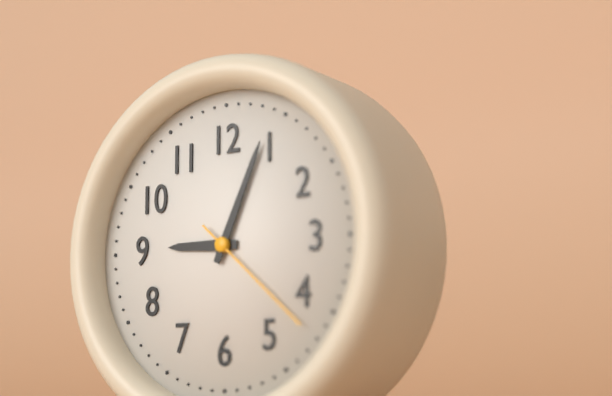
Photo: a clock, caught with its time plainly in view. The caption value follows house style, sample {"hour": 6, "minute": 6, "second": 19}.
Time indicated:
{"hour": 9, "minute": 4, "second": 22}
